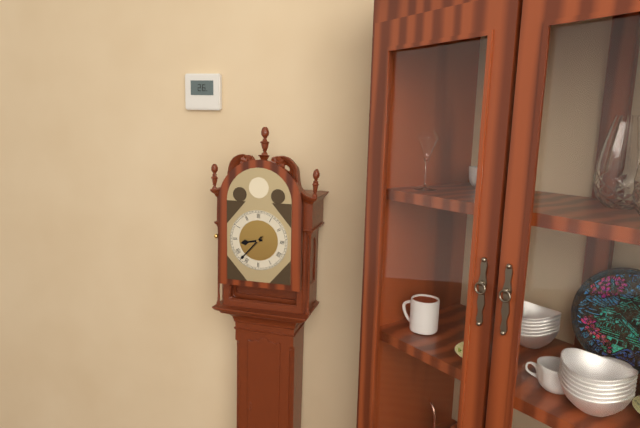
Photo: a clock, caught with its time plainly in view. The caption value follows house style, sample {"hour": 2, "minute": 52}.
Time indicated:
{"hour": 8, "minute": 37}
